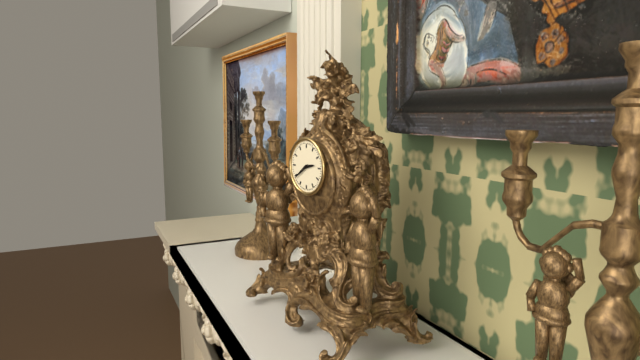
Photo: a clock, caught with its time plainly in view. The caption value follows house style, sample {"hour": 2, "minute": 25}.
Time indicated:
{"hour": 2, "minute": 39}
